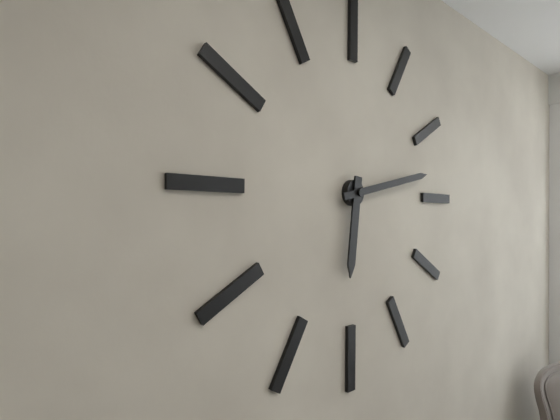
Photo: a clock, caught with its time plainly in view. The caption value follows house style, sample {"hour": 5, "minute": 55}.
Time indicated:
{"hour": 6, "minute": 13}
